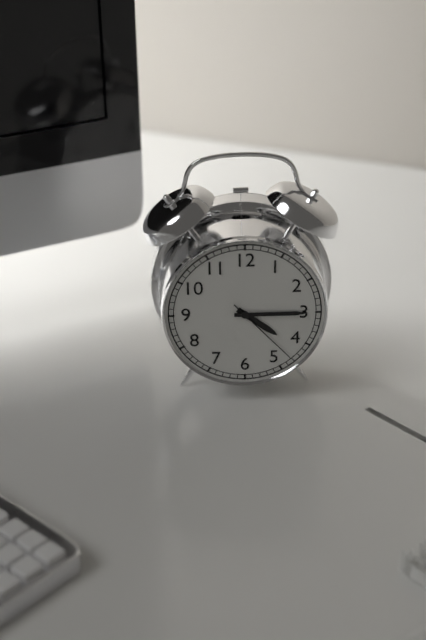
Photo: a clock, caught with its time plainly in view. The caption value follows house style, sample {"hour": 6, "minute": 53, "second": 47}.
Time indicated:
{"hour": 4, "minute": 15, "second": 23}
